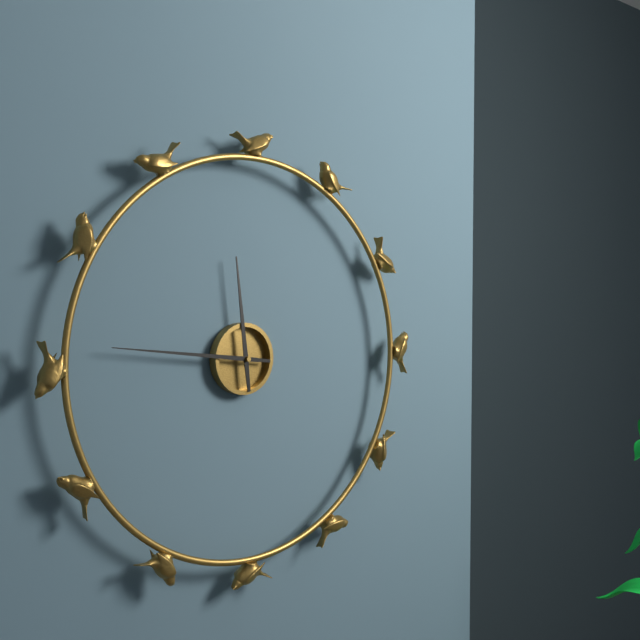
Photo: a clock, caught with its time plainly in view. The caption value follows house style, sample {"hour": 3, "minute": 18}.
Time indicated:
{"hour": 11, "minute": 46}
